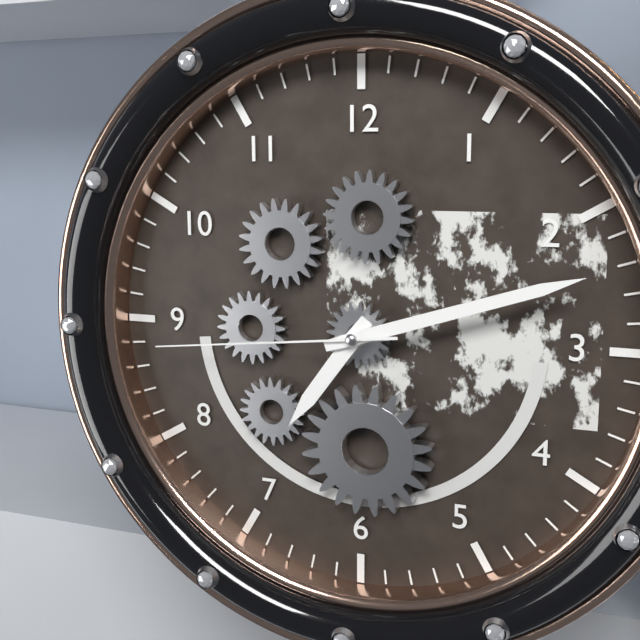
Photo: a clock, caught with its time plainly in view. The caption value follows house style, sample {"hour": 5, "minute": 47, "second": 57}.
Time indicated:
{"hour": 7, "minute": 12, "second": 44}
